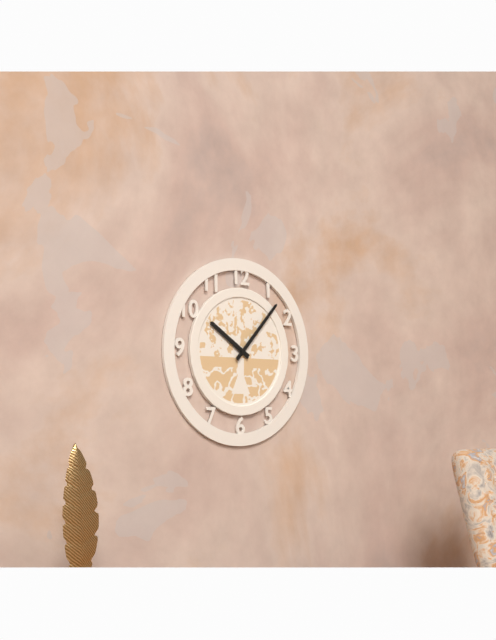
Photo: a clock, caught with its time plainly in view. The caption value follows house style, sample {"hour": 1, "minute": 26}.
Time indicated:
{"hour": 10, "minute": 7}
